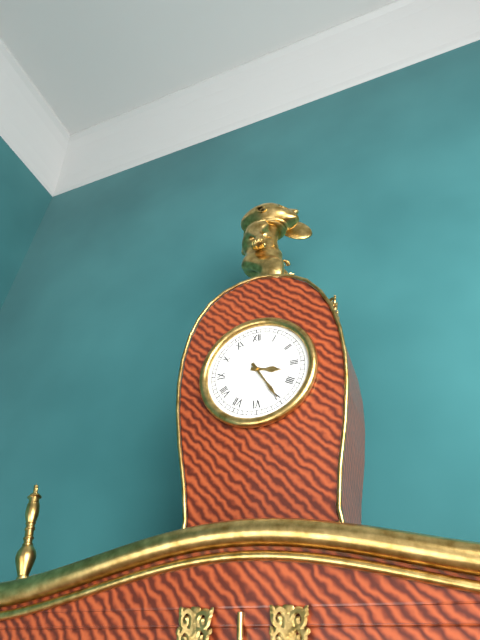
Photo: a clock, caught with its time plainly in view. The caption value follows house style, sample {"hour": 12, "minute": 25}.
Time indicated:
{"hour": 3, "minute": 25}
